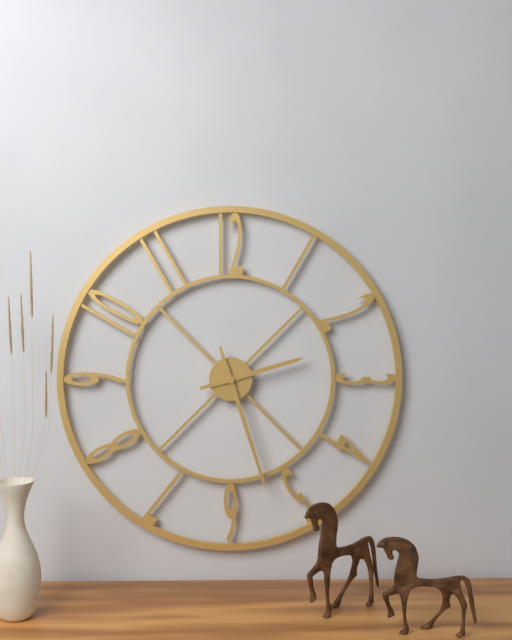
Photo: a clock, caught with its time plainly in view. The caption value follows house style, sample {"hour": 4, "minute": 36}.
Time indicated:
{"hour": 2, "minute": 27}
